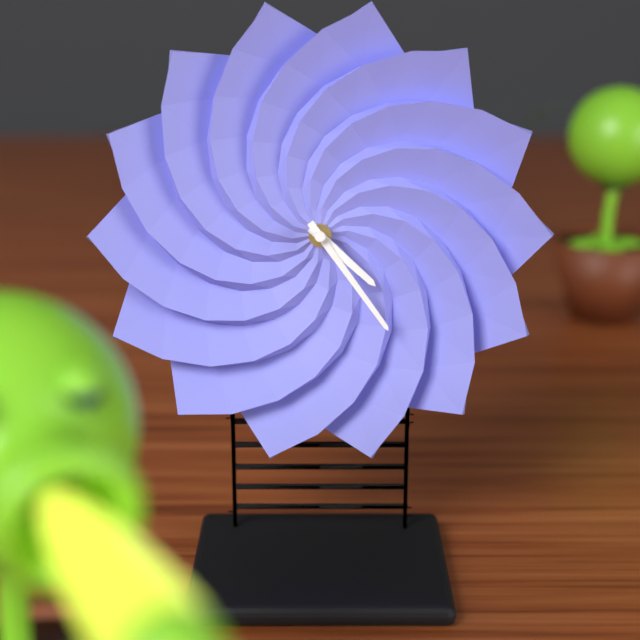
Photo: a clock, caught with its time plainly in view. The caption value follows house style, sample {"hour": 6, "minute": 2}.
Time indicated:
{"hour": 4, "minute": 24}
